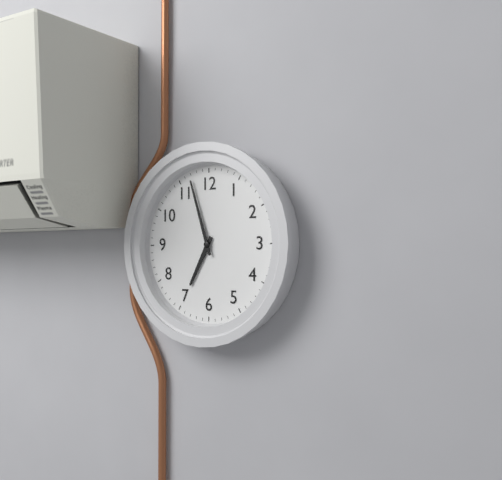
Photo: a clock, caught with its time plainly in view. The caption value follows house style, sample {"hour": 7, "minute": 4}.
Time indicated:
{"hour": 6, "minute": 57}
